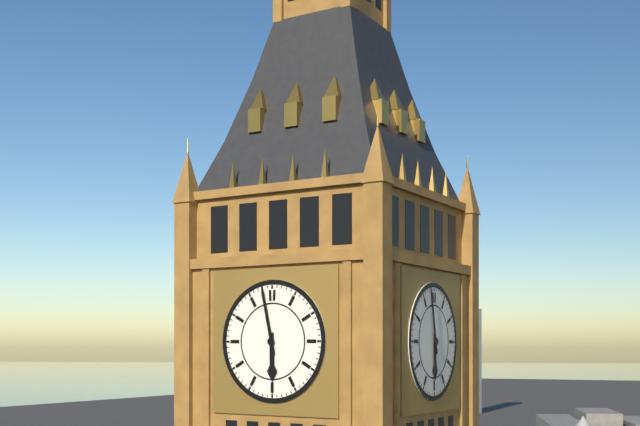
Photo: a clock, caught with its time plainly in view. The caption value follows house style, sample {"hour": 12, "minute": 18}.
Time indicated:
{"hour": 5, "minute": 58}
